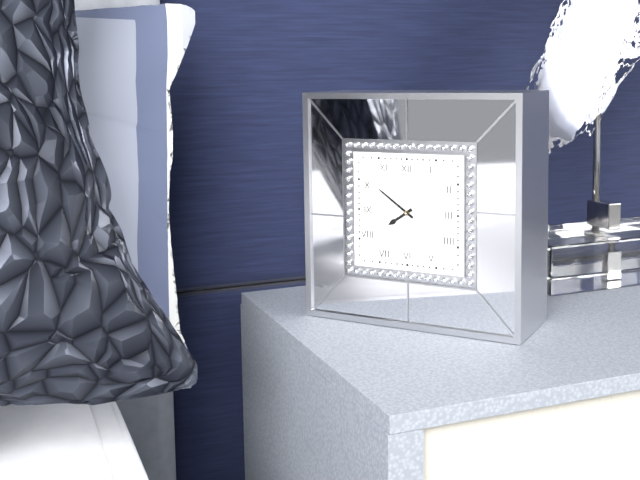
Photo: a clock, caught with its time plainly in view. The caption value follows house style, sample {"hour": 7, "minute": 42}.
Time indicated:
{"hour": 7, "minute": 51}
